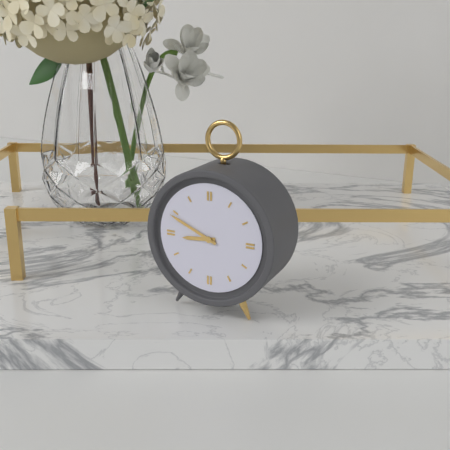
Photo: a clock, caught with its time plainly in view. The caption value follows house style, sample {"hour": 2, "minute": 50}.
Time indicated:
{"hour": 8, "minute": 49}
